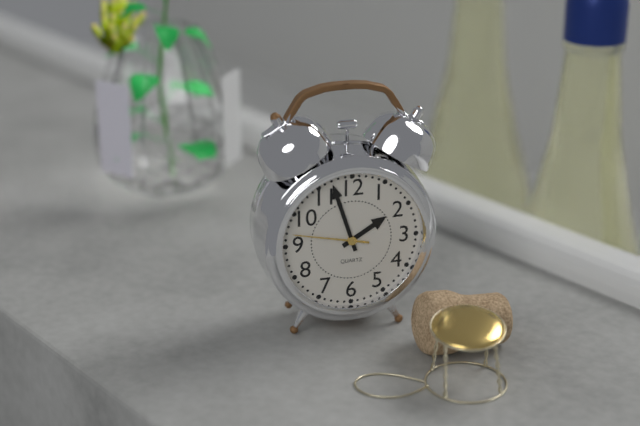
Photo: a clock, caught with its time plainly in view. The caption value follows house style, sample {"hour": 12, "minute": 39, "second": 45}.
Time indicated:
{"hour": 1, "minute": 57, "second": 47}
